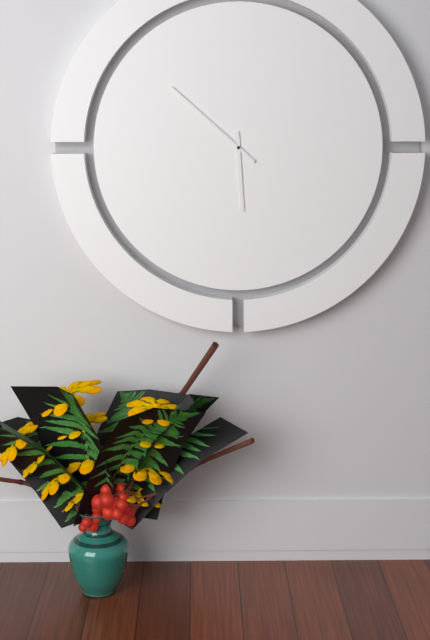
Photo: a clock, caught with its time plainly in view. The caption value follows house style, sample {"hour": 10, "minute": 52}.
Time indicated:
{"hour": 5, "minute": 52}
